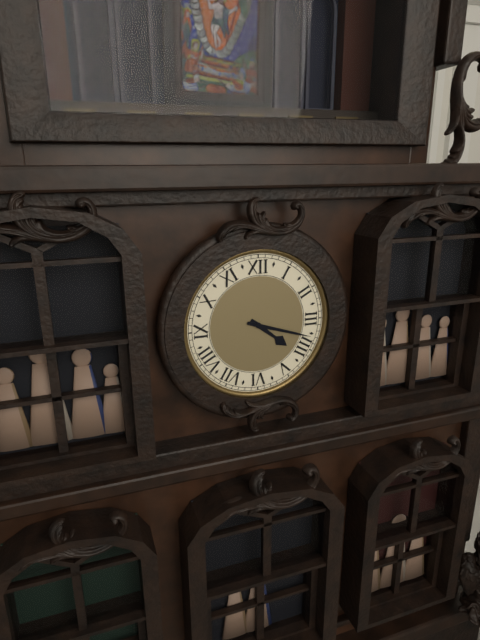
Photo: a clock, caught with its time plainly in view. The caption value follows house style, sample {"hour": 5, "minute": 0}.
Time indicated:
{"hour": 4, "minute": 18}
